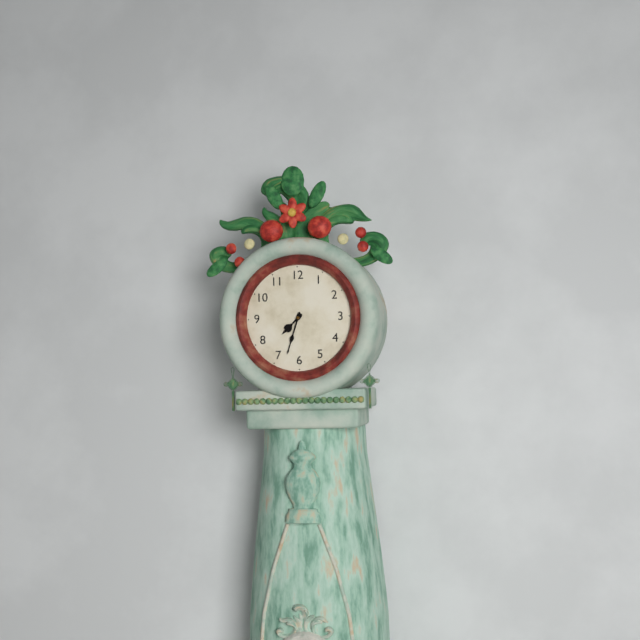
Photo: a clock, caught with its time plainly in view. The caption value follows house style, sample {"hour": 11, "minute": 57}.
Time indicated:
{"hour": 7, "minute": 33}
